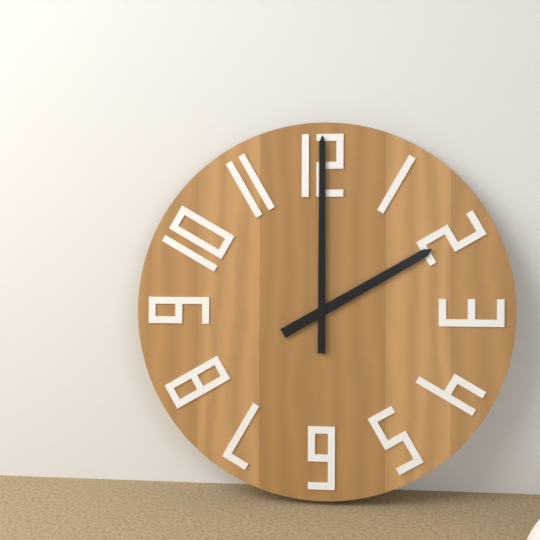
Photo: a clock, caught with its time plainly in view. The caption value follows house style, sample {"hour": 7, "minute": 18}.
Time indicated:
{"hour": 2, "minute": 0}
